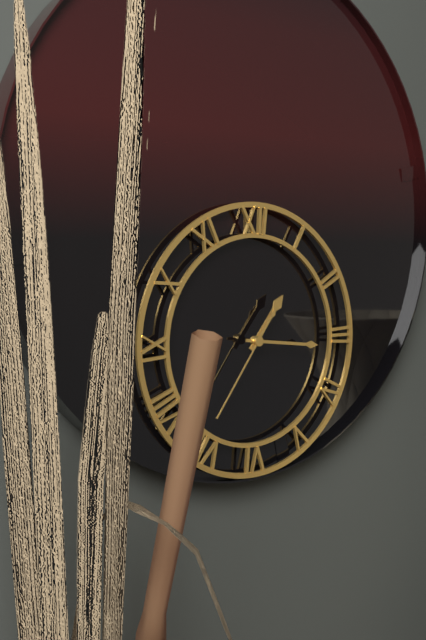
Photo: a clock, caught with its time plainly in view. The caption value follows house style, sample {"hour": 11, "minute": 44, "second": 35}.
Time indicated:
{"hour": 1, "minute": 16, "second": 36}
